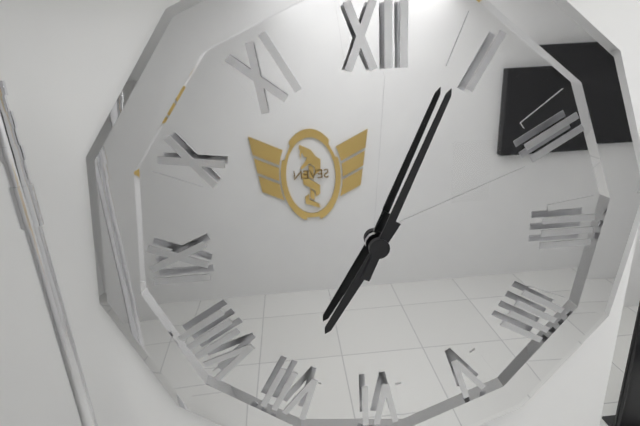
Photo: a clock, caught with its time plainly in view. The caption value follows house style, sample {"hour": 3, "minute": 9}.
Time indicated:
{"hour": 7, "minute": 4}
